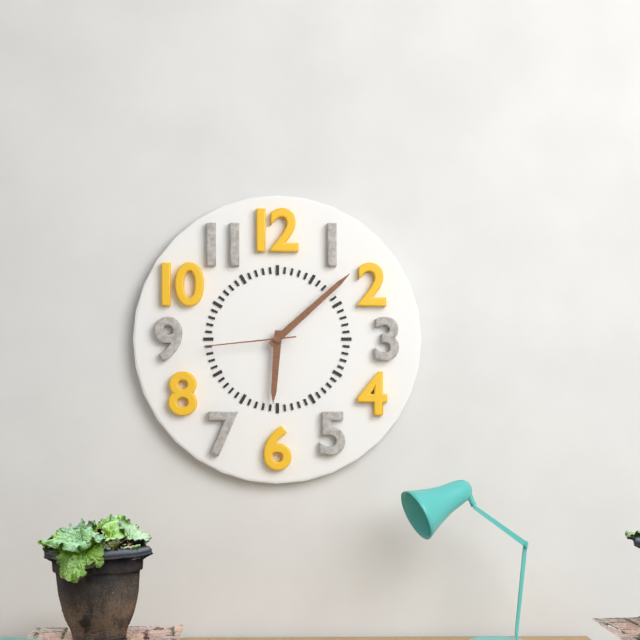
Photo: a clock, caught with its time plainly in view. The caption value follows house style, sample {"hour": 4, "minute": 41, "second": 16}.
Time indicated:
{"hour": 6, "minute": 8, "second": 44}
